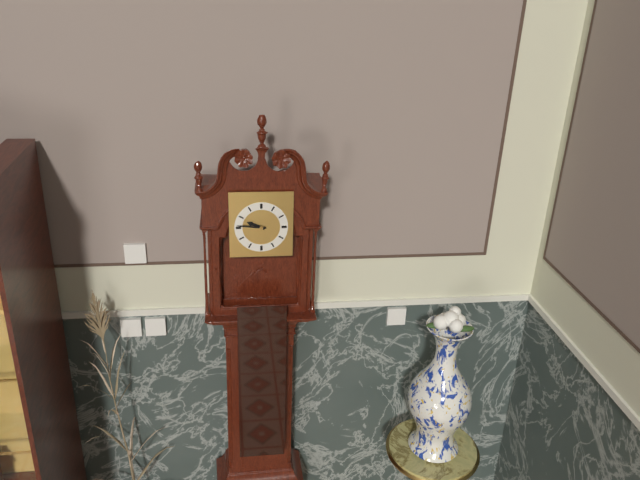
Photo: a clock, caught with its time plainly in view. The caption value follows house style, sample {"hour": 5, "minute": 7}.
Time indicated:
{"hour": 9, "minute": 46}
